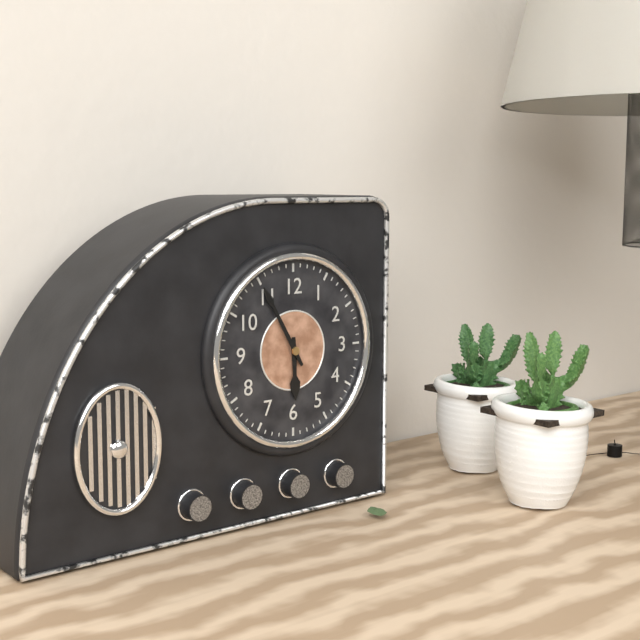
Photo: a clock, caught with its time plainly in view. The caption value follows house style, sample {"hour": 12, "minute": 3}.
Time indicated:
{"hour": 5, "minute": 55}
